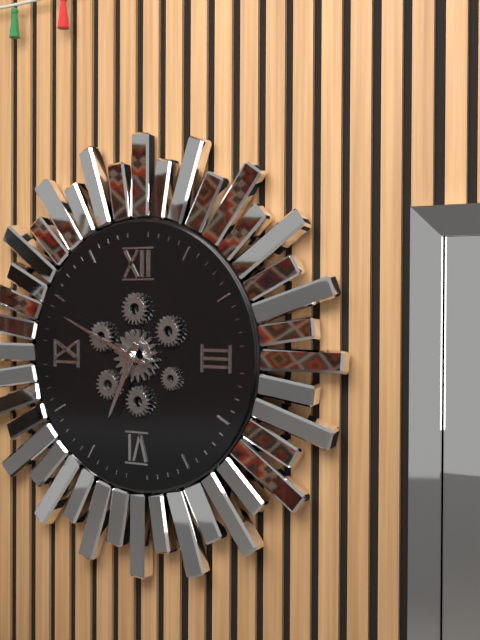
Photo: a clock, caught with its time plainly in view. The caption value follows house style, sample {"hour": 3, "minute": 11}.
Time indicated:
{"hour": 6, "minute": 49}
